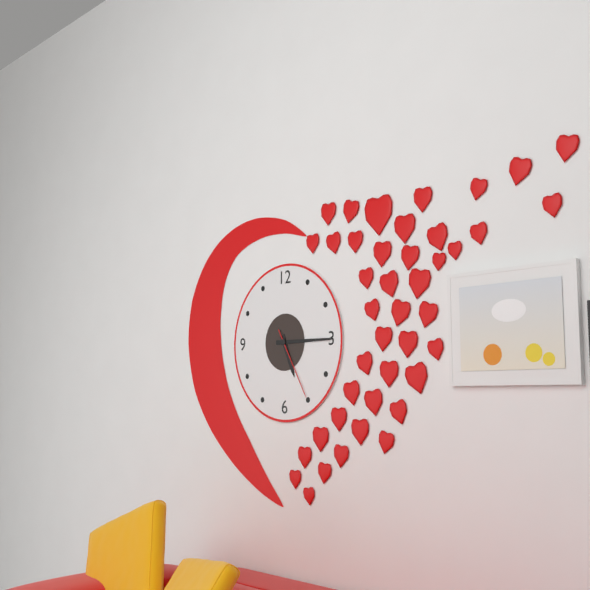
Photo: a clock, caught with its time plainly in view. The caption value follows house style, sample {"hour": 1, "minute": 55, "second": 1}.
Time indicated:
{"hour": 5, "minute": 15, "second": 25}
